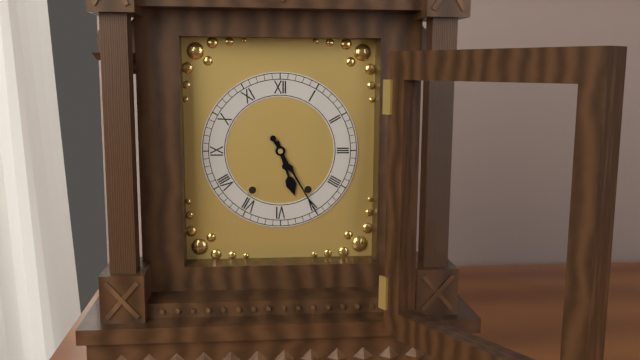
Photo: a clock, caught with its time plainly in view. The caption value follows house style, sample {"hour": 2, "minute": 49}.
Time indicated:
{"hour": 5, "minute": 25}
